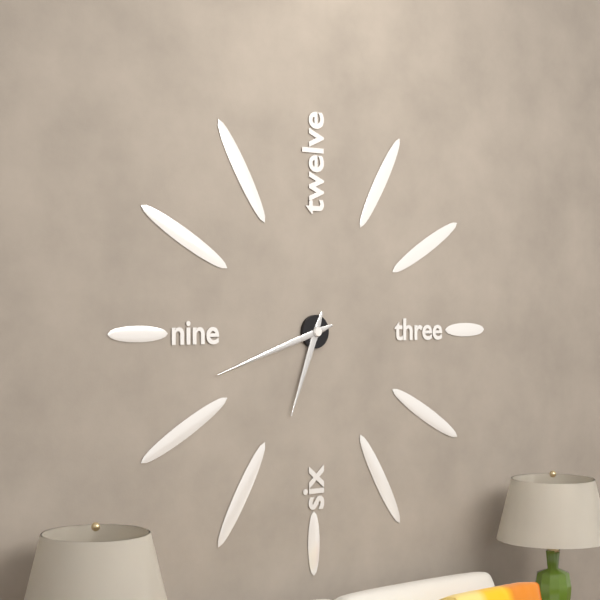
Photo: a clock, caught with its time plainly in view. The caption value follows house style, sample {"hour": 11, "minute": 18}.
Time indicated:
{"hour": 6, "minute": 42}
